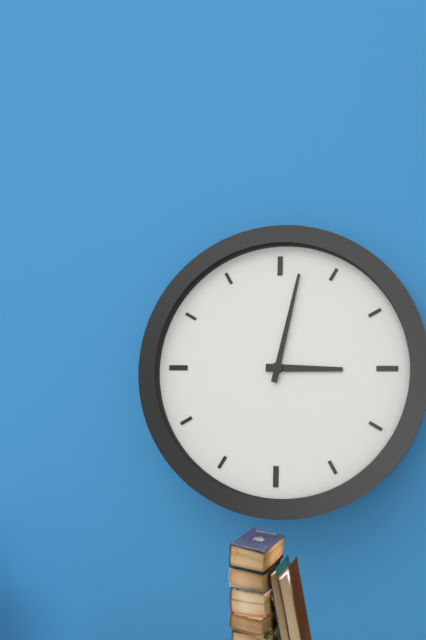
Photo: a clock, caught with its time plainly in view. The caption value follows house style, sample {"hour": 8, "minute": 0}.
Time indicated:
{"hour": 3, "minute": 2}
